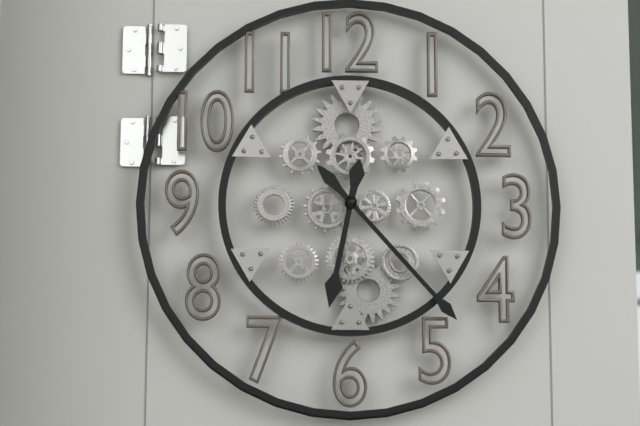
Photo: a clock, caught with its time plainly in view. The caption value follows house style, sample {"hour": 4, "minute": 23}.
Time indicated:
{"hour": 6, "minute": 23}
